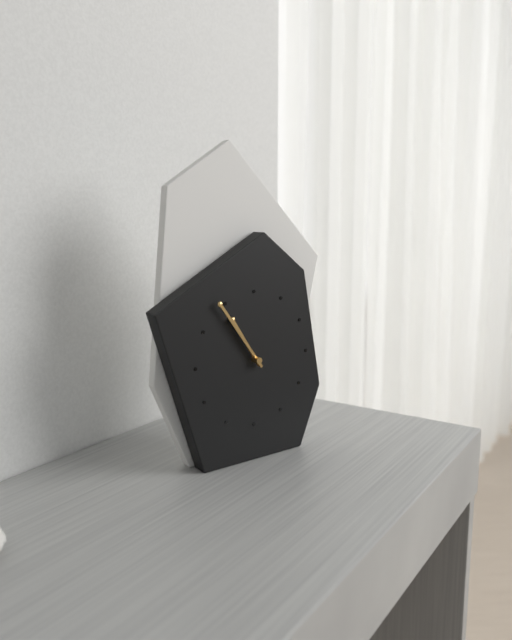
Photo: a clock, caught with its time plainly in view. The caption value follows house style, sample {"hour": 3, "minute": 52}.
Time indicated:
{"hour": 10, "minute": 54}
